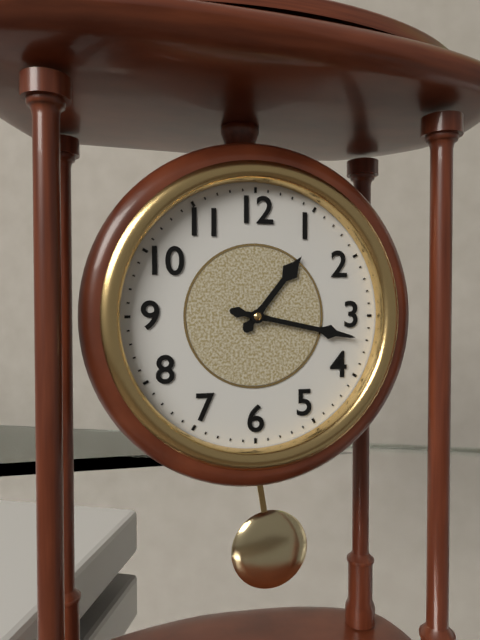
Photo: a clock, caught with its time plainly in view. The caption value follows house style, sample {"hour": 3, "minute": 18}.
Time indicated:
{"hour": 1, "minute": 17}
